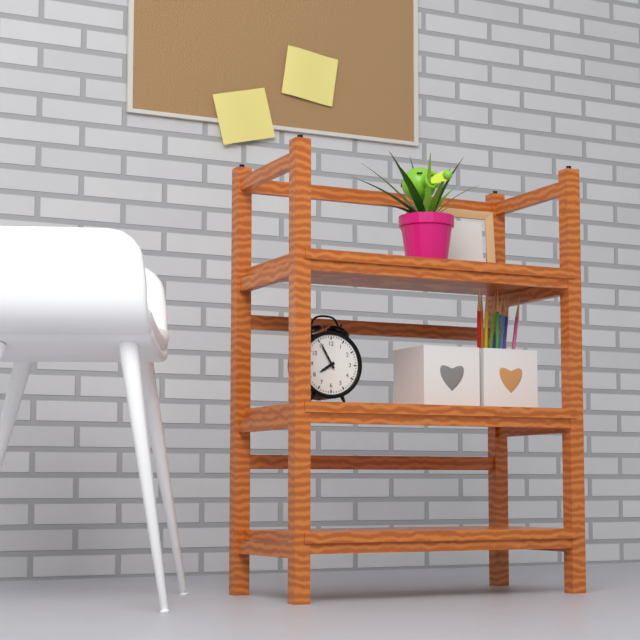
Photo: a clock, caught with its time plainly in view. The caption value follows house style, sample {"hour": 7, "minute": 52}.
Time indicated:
{"hour": 7, "minute": 55}
